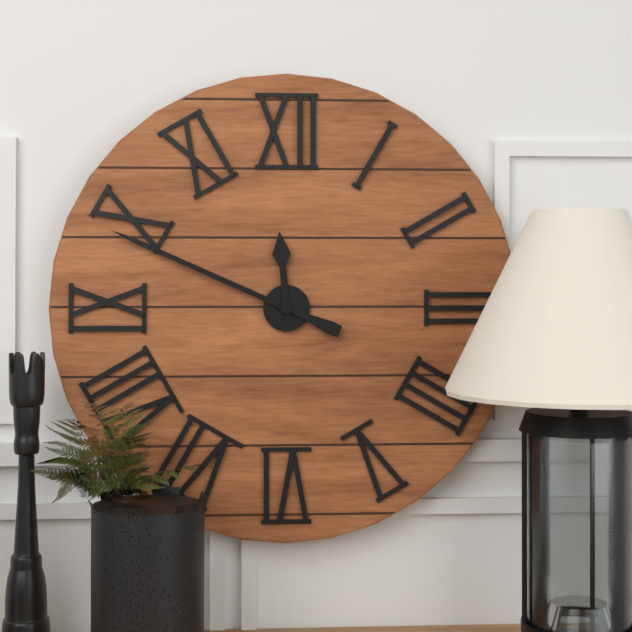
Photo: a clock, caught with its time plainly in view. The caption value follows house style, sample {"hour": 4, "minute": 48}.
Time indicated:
{"hour": 11, "minute": 49}
